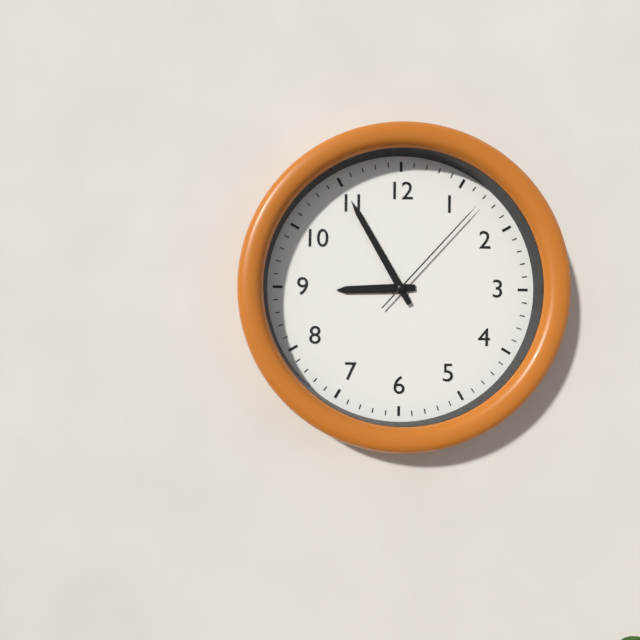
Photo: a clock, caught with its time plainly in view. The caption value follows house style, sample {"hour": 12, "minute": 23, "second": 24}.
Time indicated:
{"hour": 8, "minute": 55, "second": 7}
